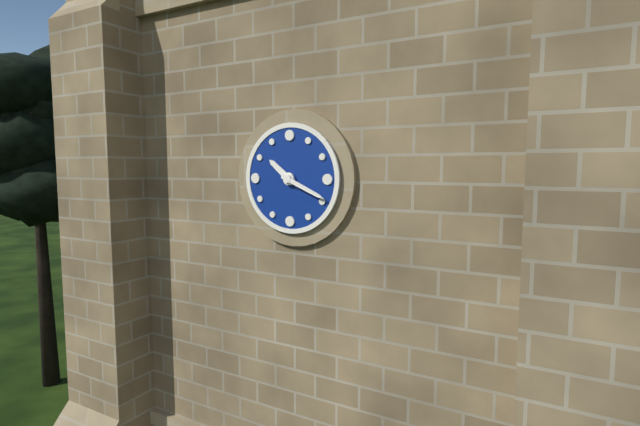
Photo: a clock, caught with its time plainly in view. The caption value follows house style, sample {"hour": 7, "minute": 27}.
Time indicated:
{"hour": 10, "minute": 19}
